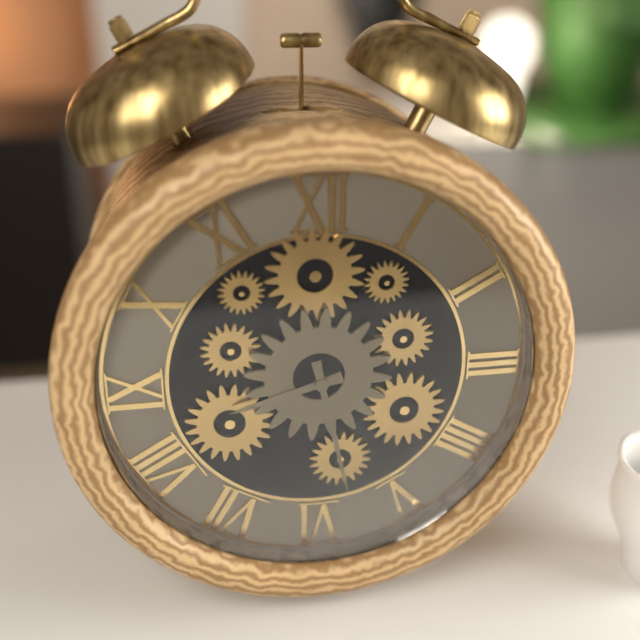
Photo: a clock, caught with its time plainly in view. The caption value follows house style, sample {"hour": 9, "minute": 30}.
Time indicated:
{"hour": 8, "minute": 28}
